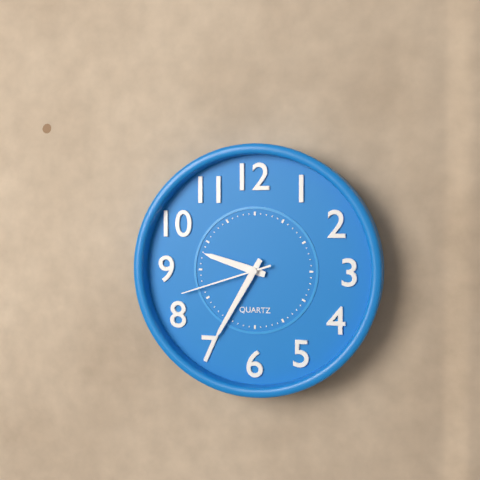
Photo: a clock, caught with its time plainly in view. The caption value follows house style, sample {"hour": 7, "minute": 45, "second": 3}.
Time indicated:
{"hour": 9, "minute": 35, "second": 42}
